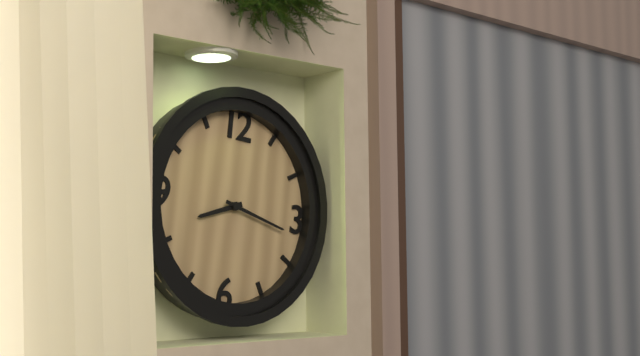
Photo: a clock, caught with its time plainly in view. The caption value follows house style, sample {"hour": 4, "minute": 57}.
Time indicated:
{"hour": 8, "minute": 17}
